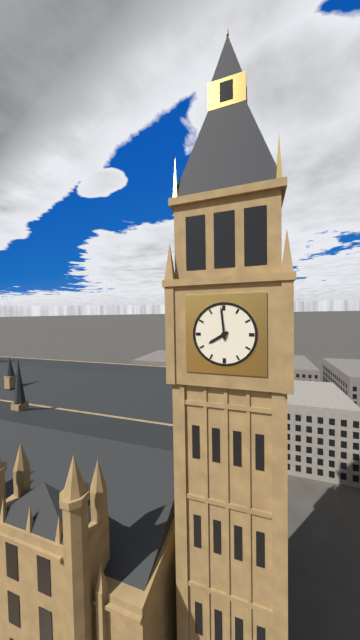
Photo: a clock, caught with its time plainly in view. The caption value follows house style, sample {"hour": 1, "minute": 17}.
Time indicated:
{"hour": 7, "minute": 59}
